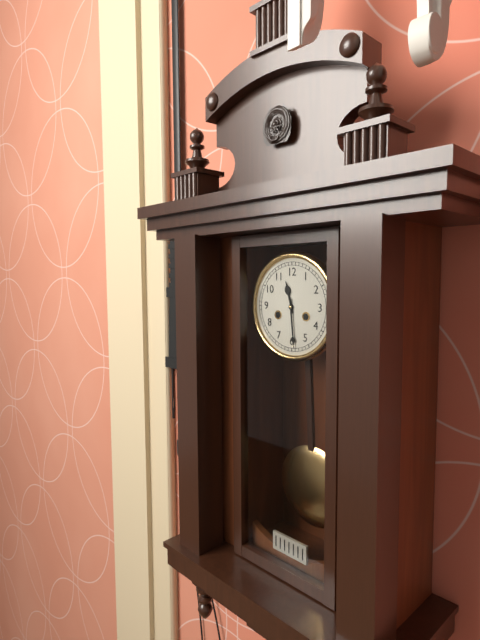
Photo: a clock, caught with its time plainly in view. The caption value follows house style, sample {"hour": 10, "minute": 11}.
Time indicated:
{"hour": 11, "minute": 29}
